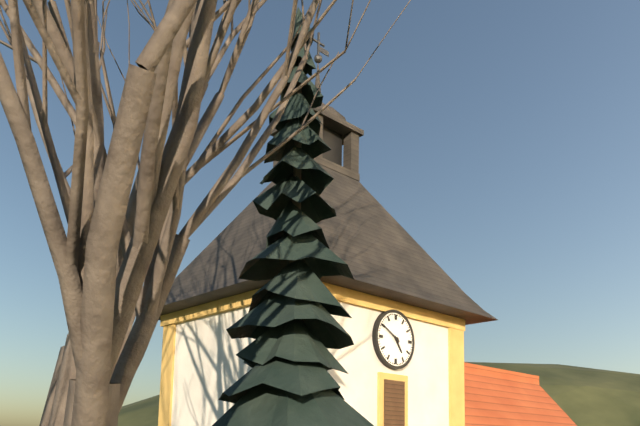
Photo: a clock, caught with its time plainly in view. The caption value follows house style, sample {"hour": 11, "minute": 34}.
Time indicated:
{"hour": 4, "minute": 50}
